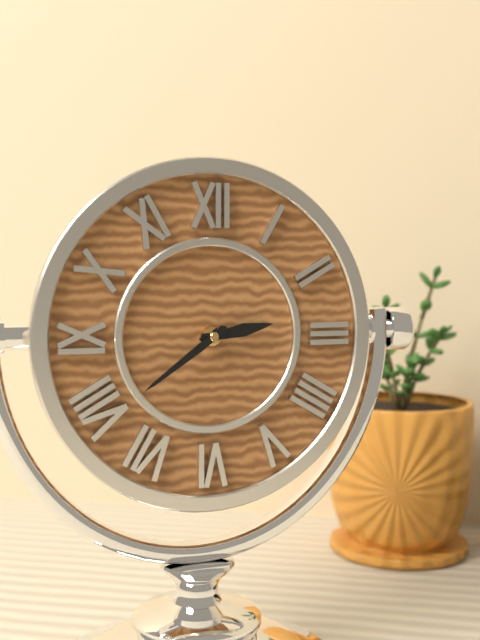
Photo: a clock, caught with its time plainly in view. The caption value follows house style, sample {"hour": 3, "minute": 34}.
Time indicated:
{"hour": 2, "minute": 39}
